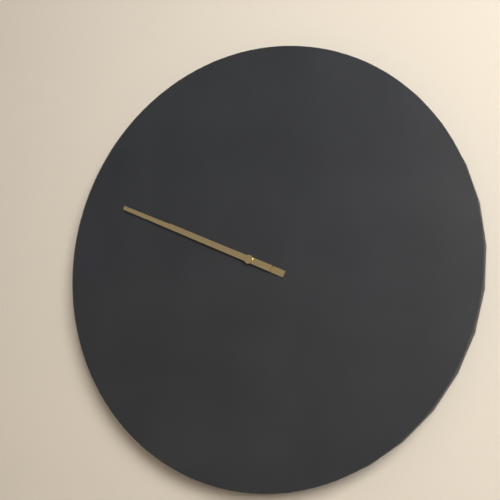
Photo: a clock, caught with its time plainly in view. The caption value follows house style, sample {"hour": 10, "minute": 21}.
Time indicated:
{"hour": 9, "minute": 49}
